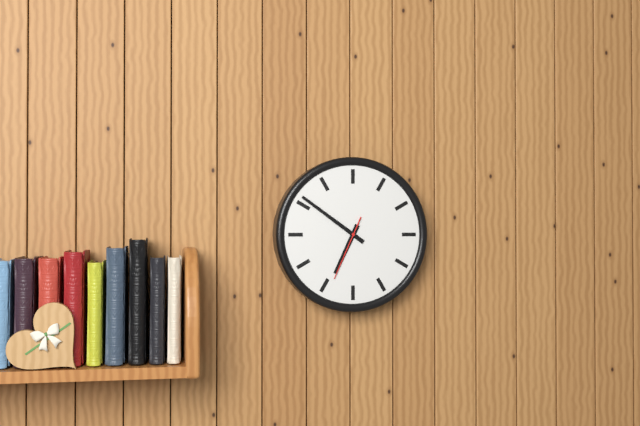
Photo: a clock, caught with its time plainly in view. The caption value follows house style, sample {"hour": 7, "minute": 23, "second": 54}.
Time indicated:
{"hour": 6, "minute": 51, "second": 34}
